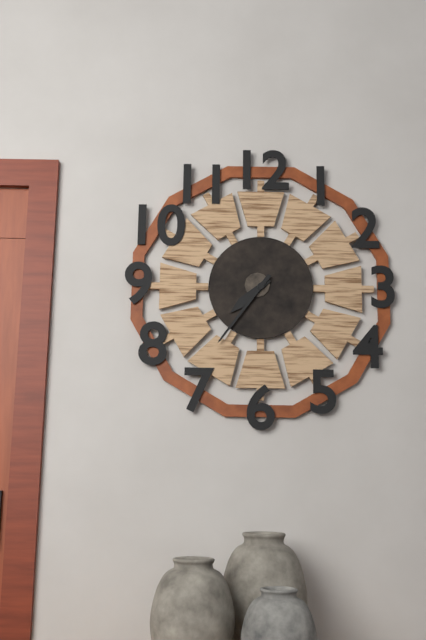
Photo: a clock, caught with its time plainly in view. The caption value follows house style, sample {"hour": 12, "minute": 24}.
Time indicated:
{"hour": 7, "minute": 36}
